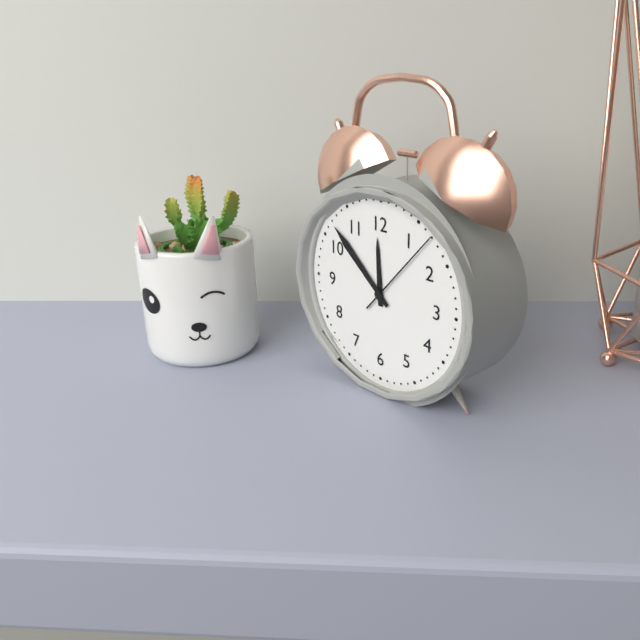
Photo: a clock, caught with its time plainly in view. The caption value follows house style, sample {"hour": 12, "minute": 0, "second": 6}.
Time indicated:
{"hour": 11, "minute": 52, "second": 7}
